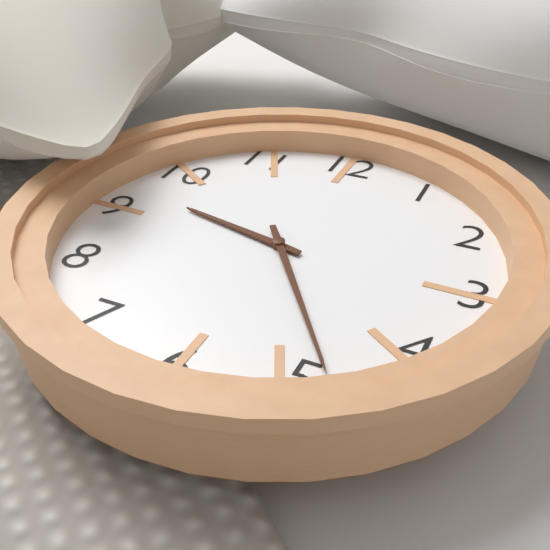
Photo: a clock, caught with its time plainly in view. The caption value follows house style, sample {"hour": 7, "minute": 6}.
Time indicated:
{"hour": 9, "minute": 24}
